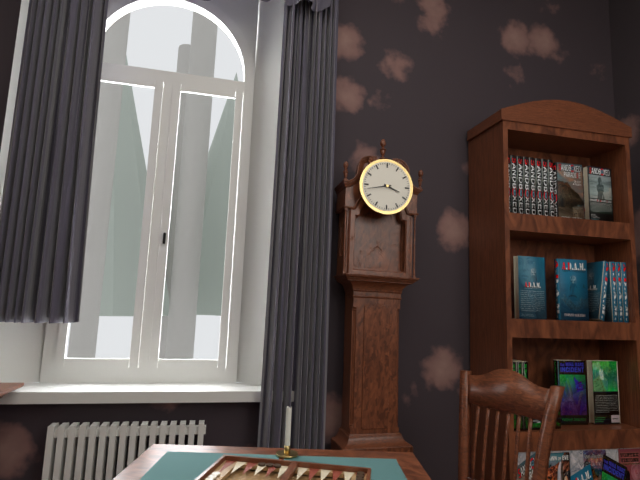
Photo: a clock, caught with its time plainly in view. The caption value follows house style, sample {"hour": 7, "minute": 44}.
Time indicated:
{"hour": 3, "minute": 43}
